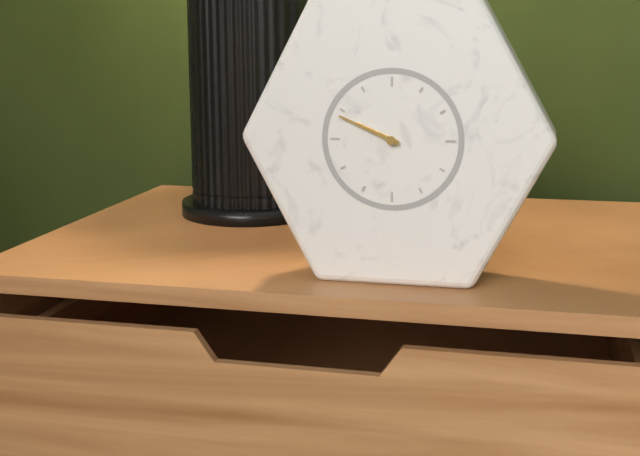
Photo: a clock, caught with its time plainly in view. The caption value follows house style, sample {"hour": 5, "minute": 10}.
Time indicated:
{"hour": 9, "minute": 49}
